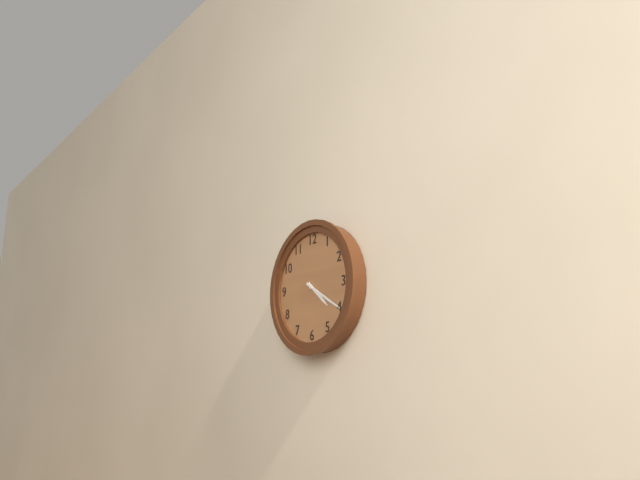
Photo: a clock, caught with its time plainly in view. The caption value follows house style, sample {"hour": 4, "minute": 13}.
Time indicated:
{"hour": 4, "minute": 20}
